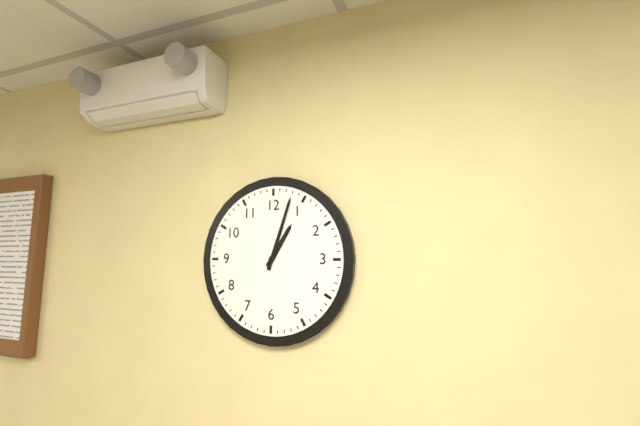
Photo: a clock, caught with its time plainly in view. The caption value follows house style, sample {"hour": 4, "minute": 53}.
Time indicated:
{"hour": 1, "minute": 3}
